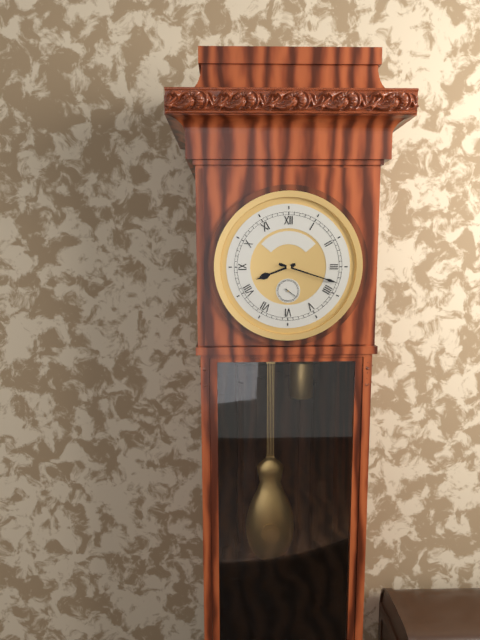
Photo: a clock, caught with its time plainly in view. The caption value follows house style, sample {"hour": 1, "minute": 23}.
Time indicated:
{"hour": 8, "minute": 18}
